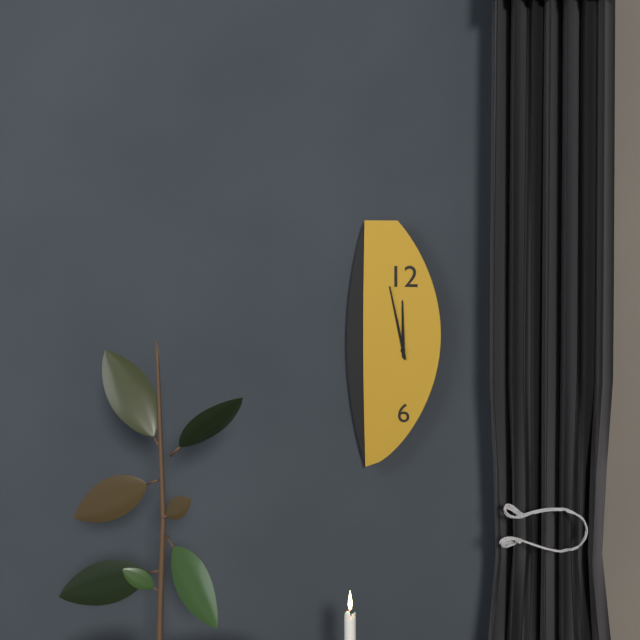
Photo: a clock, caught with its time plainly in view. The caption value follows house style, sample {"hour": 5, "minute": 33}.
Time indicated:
{"hour": 11, "minute": 58}
